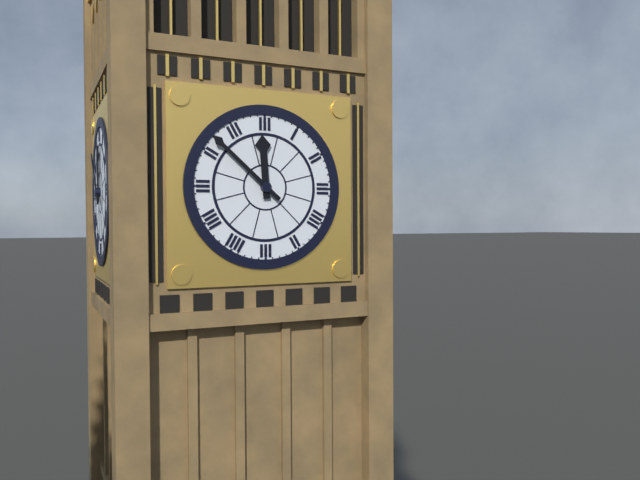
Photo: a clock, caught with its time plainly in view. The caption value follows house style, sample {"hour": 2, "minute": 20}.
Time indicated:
{"hour": 11, "minute": 52}
